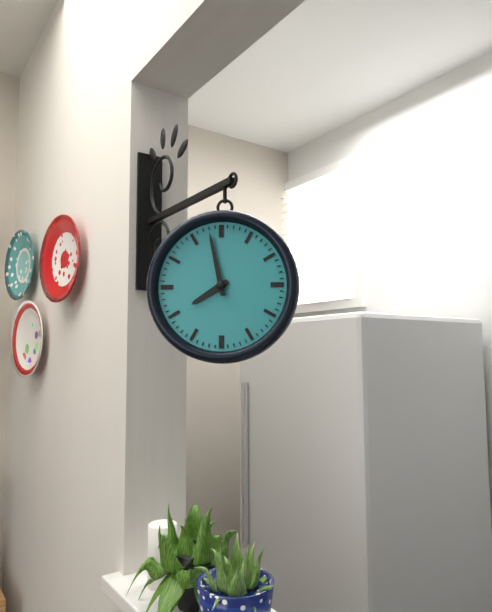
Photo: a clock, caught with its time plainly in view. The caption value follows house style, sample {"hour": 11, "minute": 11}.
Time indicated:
{"hour": 7, "minute": 58}
